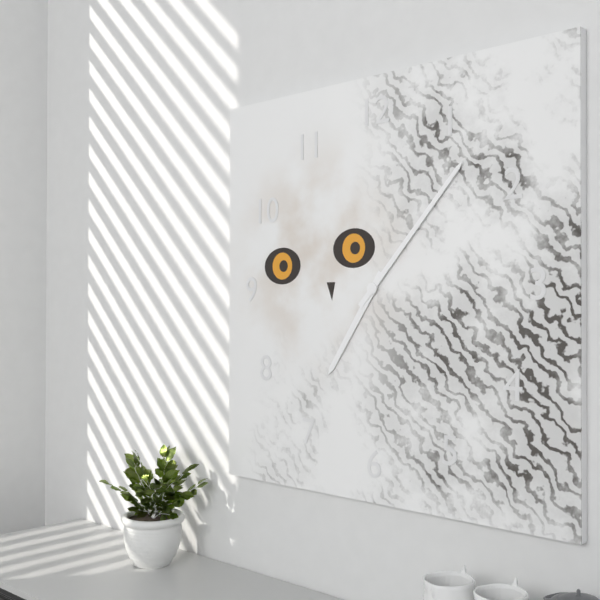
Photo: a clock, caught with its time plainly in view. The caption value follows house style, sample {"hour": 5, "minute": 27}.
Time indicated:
{"hour": 7, "minute": 7}
